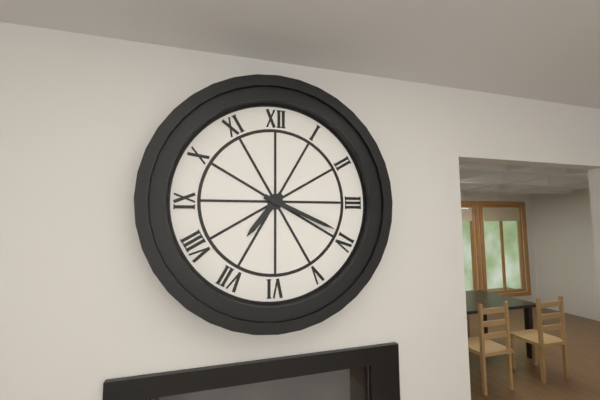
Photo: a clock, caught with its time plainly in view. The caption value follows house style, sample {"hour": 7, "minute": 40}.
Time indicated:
{"hour": 7, "minute": 19}
